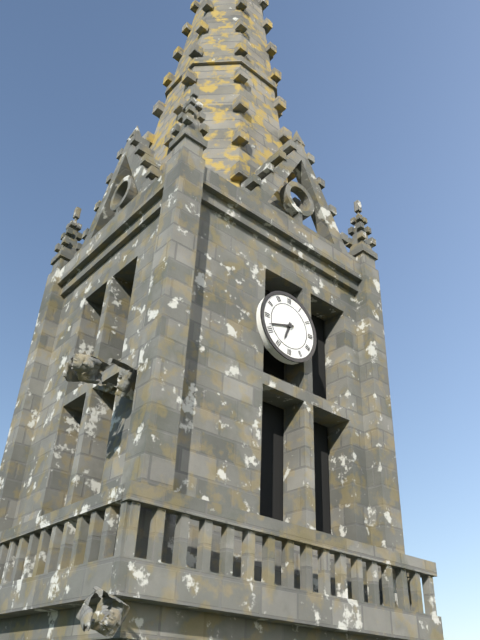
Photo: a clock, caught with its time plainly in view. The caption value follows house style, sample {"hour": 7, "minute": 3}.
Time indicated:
{"hour": 6, "minute": 42}
